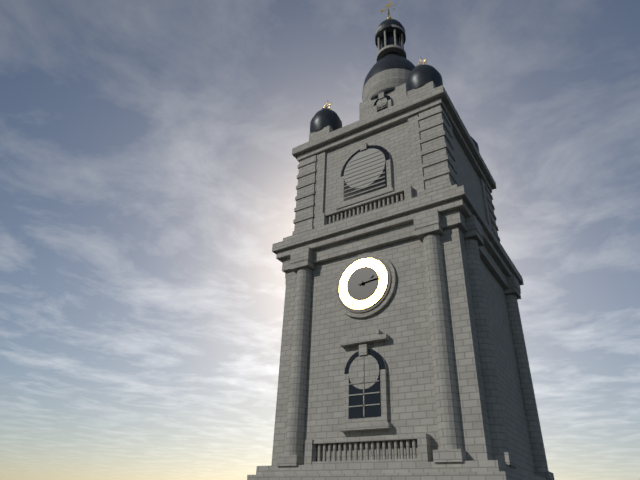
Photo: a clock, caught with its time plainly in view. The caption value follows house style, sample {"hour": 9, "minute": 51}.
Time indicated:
{"hour": 2, "minute": 14}
